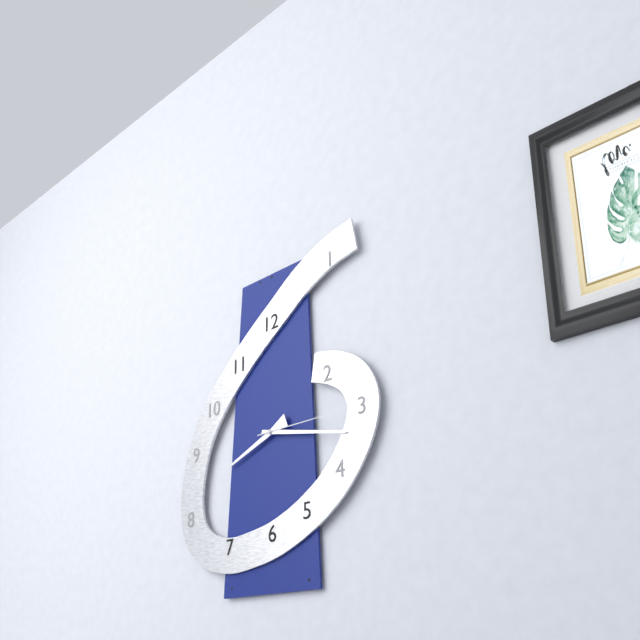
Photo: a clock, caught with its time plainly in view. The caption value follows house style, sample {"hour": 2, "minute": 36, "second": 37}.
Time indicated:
{"hour": 8, "minute": 17, "second": 15}
